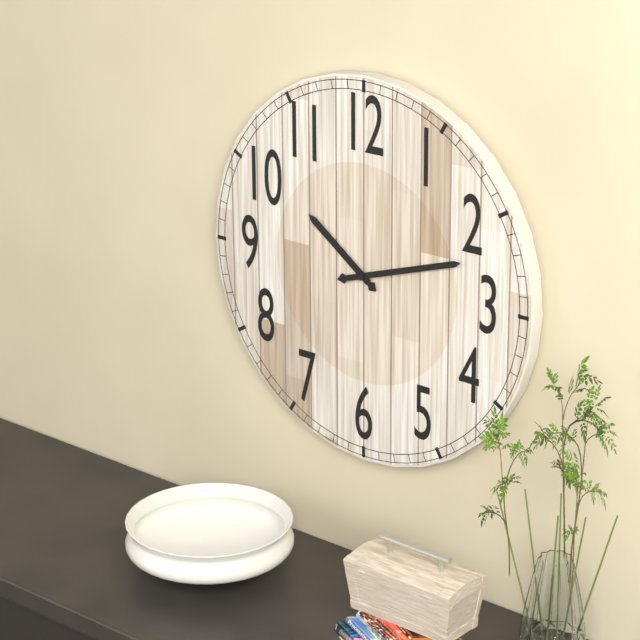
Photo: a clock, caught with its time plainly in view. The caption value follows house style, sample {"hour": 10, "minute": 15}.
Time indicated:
{"hour": 10, "minute": 12}
